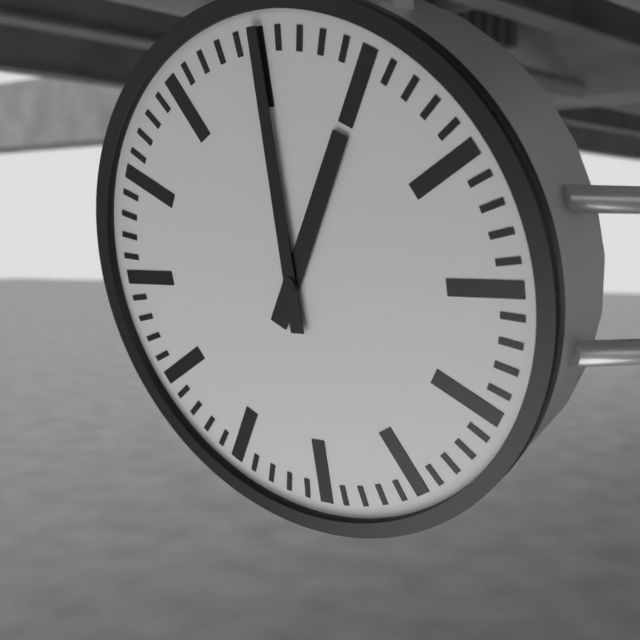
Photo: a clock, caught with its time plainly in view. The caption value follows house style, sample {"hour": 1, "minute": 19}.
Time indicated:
{"hour": 1, "minute": 0}
